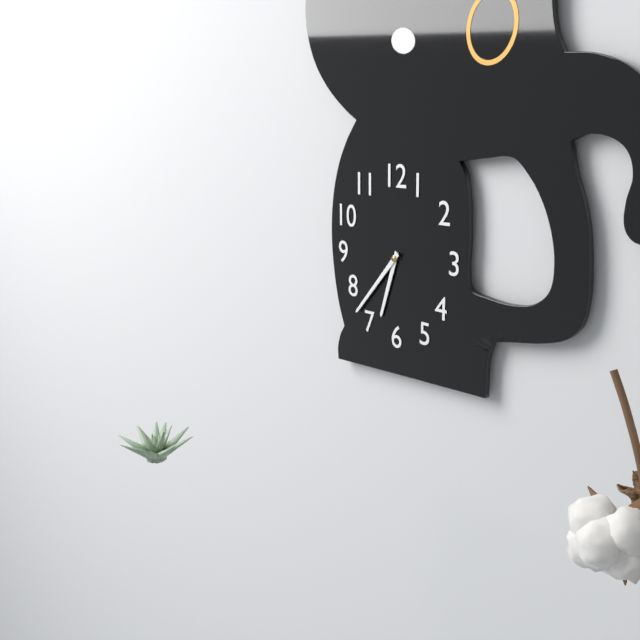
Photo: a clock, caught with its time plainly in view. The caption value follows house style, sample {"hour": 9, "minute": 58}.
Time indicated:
{"hour": 6, "minute": 37}
